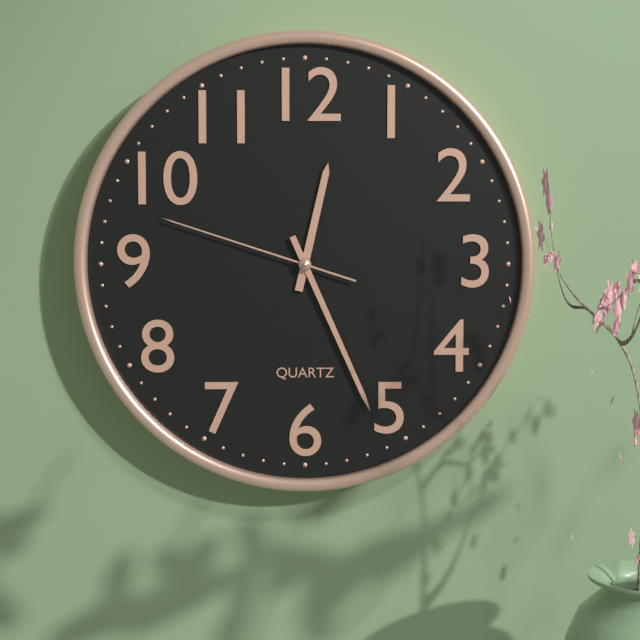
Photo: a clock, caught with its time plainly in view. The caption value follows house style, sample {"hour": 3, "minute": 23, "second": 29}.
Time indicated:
{"hour": 12, "minute": 26, "second": 48}
